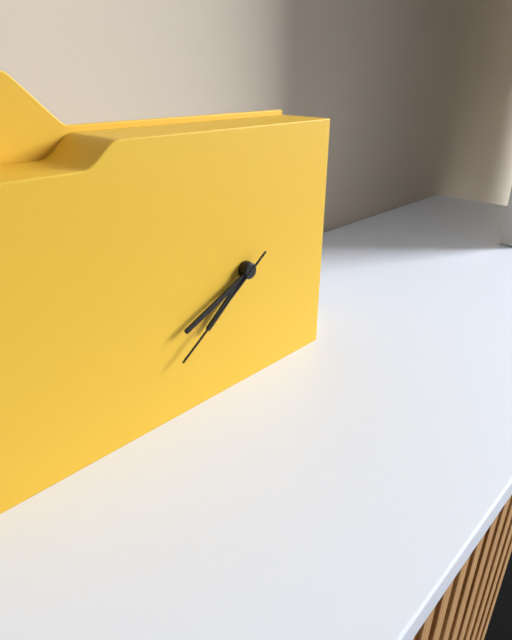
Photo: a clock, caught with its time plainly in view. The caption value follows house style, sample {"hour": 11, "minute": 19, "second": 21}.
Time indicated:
{"hour": 7, "minute": 41, "second": 39}
